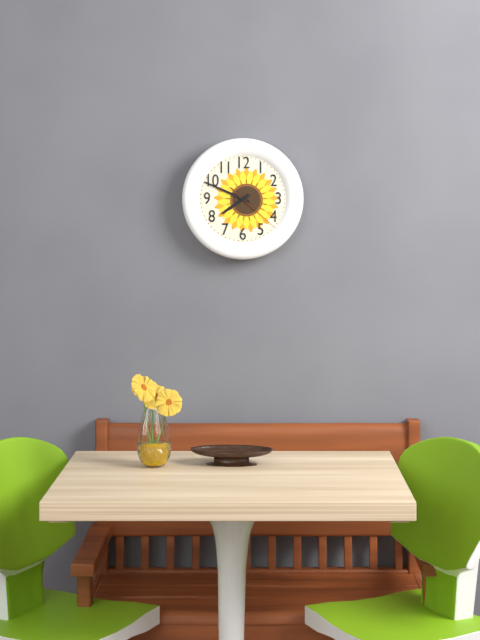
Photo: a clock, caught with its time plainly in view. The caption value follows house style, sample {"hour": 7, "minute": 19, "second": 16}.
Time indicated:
{"hour": 7, "minute": 49, "second": 22}
